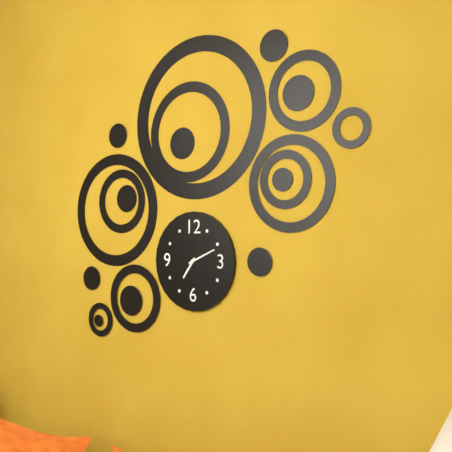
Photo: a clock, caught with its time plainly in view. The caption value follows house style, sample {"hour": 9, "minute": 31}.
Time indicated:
{"hour": 7, "minute": 11}
